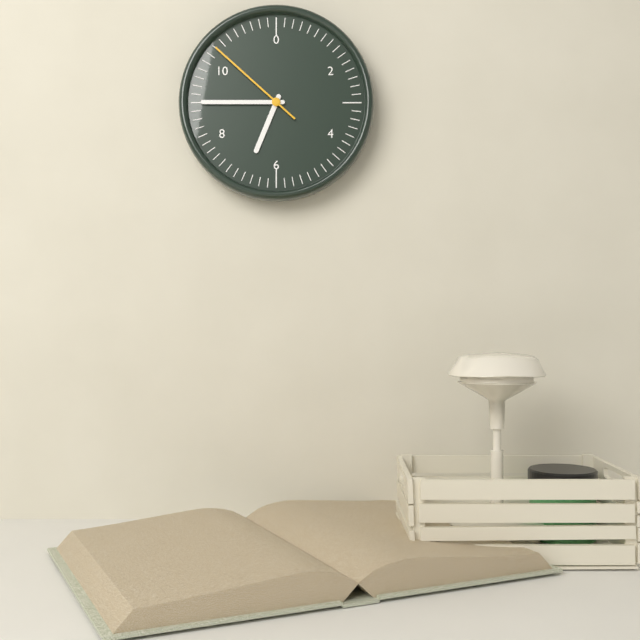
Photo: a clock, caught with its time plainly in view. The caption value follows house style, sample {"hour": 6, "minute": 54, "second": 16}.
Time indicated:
{"hour": 6, "minute": 45, "second": 52}
